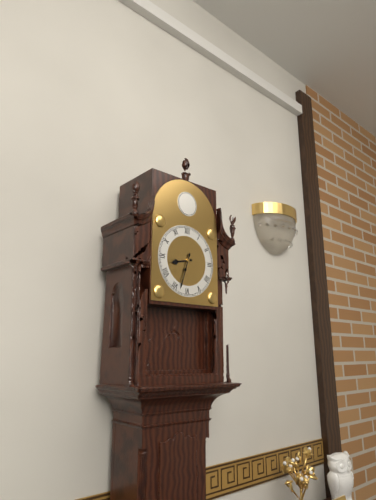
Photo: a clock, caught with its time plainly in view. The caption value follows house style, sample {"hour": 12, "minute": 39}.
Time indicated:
{"hour": 8, "minute": 33}
